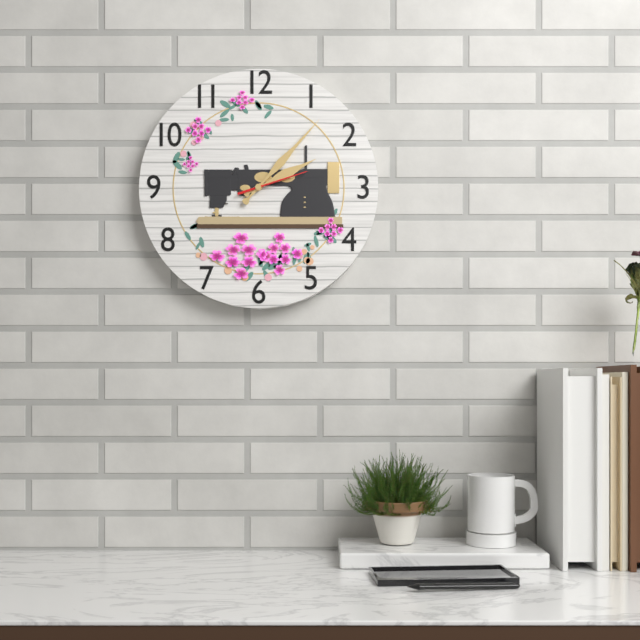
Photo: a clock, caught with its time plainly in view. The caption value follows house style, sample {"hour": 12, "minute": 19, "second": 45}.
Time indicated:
{"hour": 2, "minute": 7, "second": 12}
